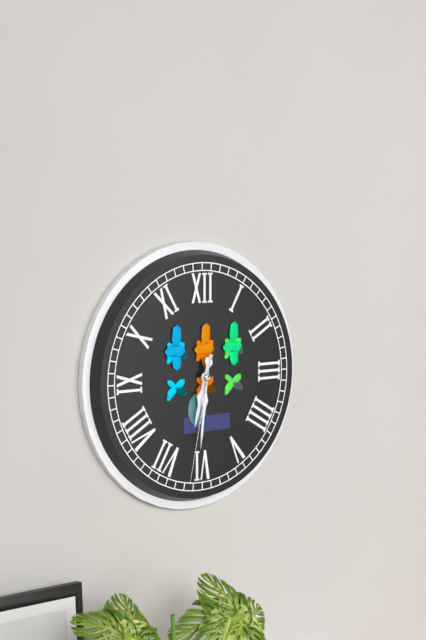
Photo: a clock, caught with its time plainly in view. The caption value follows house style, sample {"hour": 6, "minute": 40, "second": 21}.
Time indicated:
{"hour": 6, "minute": 31, "second": 32}
